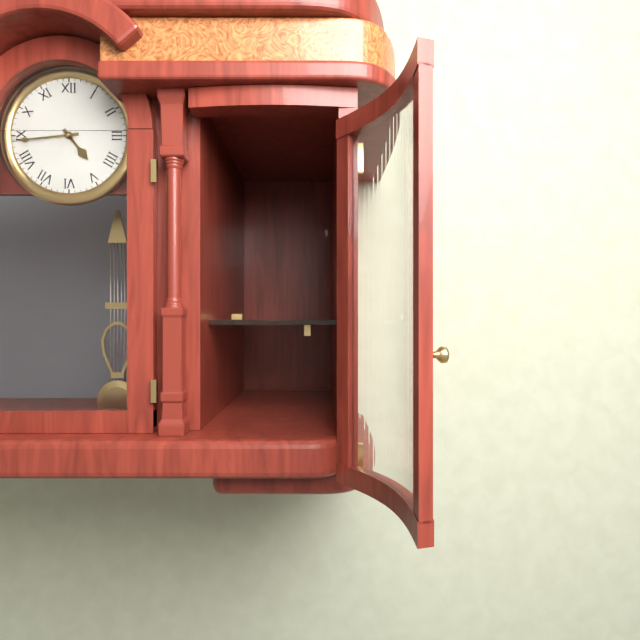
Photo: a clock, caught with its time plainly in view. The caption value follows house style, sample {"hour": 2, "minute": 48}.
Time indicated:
{"hour": 4, "minute": 44}
